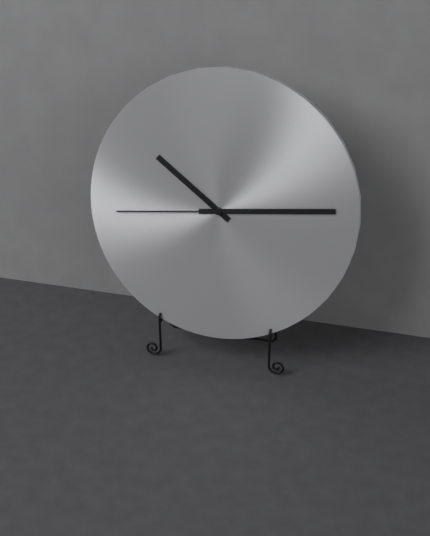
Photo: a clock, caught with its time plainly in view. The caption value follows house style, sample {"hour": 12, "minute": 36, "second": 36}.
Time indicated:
{"hour": 10, "minute": 14, "second": 44}
